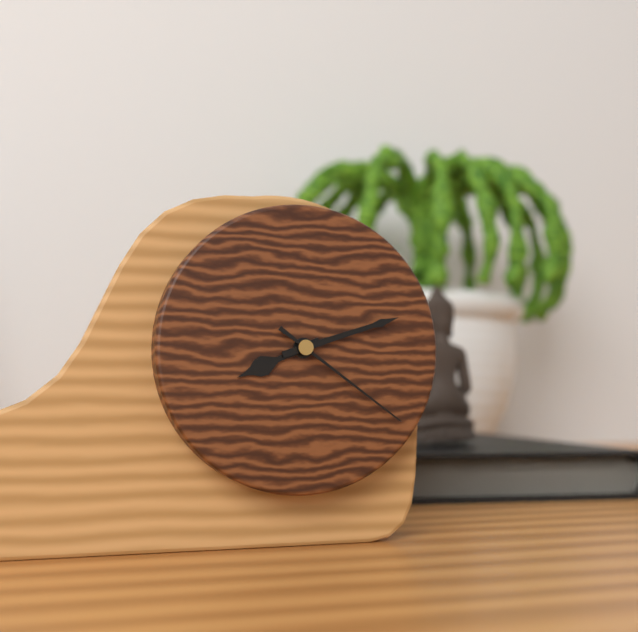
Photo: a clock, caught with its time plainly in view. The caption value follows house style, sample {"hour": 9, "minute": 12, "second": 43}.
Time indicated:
{"hour": 8, "minute": 12, "second": 21}
